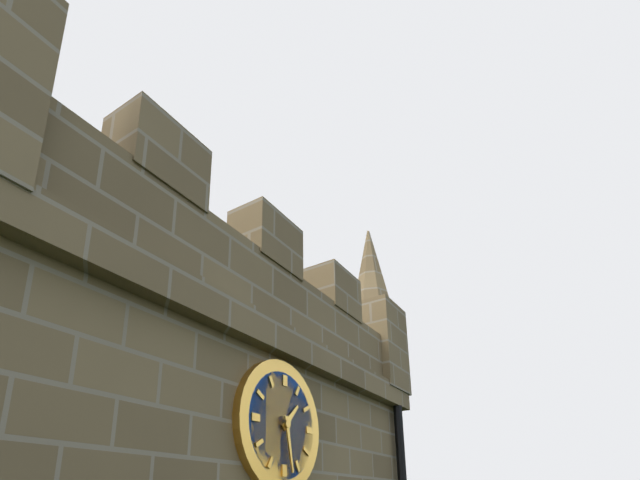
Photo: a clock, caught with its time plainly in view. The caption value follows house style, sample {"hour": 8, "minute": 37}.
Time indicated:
{"hour": 1, "minute": 28}
